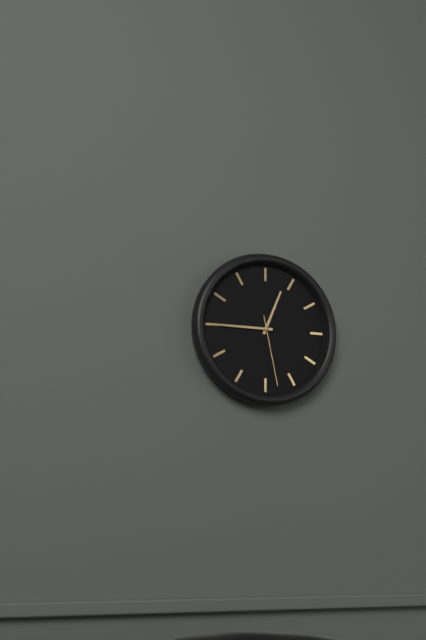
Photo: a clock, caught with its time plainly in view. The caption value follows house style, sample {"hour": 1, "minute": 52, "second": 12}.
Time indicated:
{"hour": 12, "minute": 45, "second": 28}
